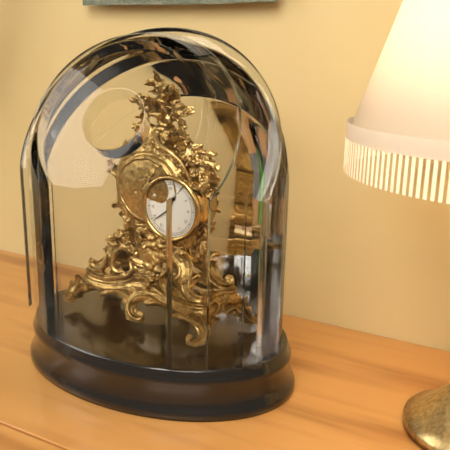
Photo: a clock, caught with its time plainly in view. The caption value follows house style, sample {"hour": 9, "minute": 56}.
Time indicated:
{"hour": 12, "minute": 39}
